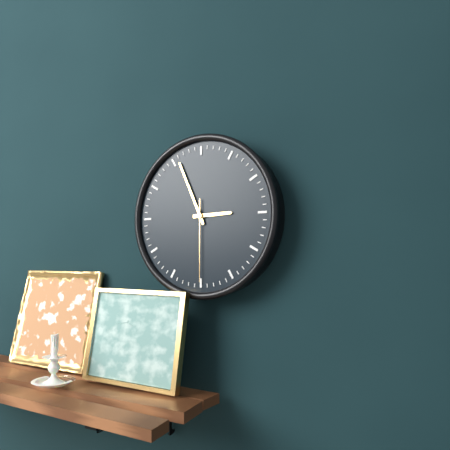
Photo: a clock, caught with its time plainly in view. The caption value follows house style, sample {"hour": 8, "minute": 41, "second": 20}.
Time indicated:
{"hour": 2, "minute": 56, "second": 30}
